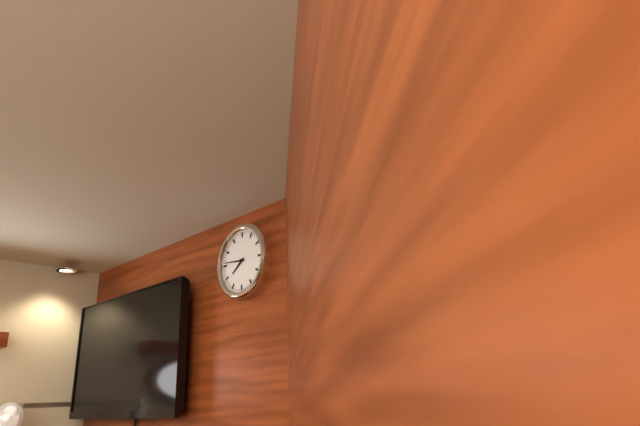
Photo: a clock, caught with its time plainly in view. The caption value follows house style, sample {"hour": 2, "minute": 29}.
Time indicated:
{"hour": 7, "minute": 46}
